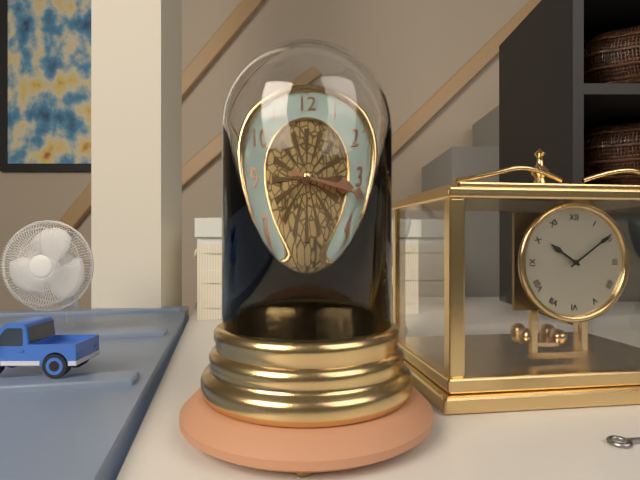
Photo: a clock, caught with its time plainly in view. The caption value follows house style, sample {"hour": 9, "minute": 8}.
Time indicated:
{"hour": 3, "minute": 17}
